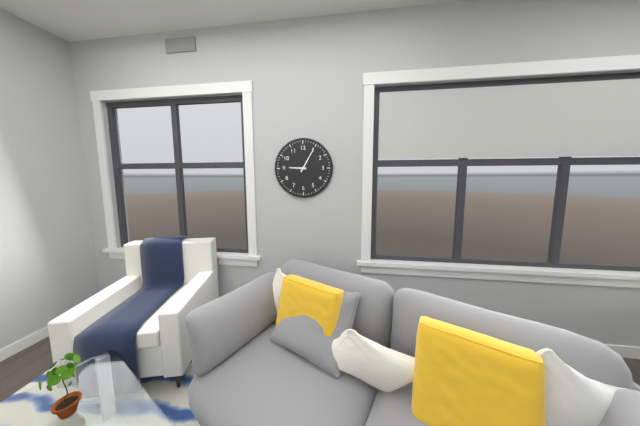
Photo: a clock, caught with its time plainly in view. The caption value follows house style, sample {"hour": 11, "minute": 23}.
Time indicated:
{"hour": 9, "minute": 5}
